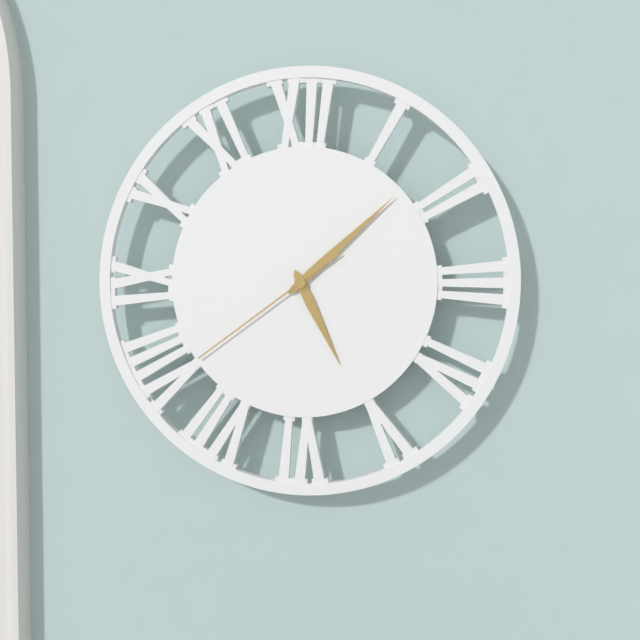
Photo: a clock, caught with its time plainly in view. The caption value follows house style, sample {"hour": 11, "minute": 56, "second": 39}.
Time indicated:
{"hour": 5, "minute": 8, "second": 39}
